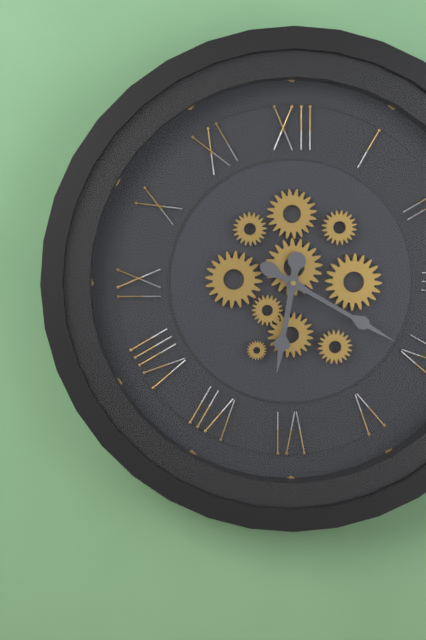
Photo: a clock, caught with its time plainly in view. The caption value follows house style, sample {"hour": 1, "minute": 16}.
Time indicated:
{"hour": 6, "minute": 20}
